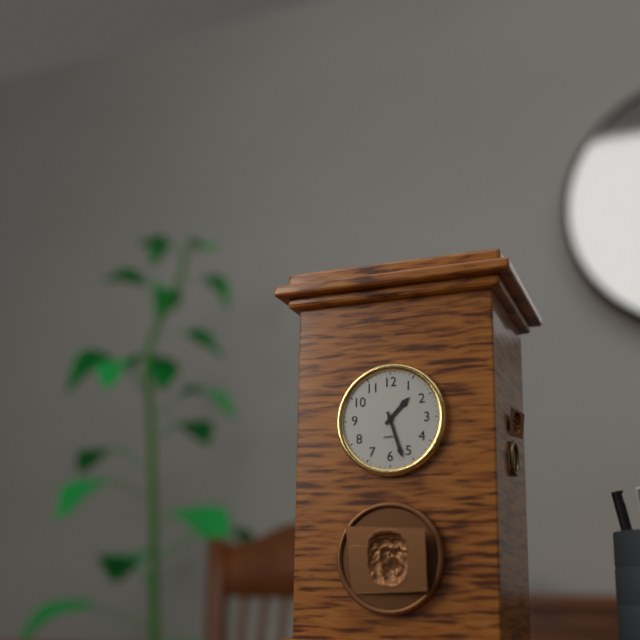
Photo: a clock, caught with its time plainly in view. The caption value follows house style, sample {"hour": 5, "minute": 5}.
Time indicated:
{"hour": 1, "minute": 27}
